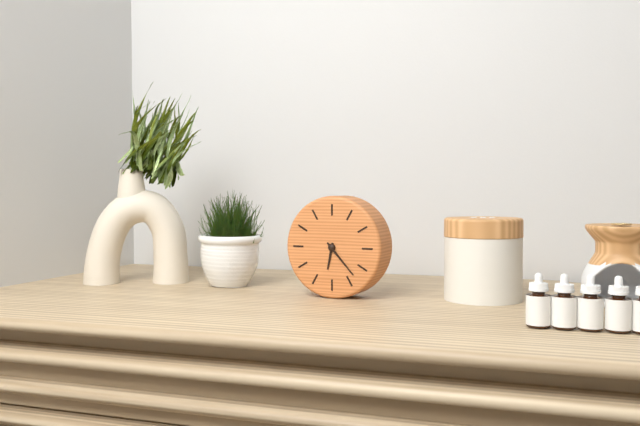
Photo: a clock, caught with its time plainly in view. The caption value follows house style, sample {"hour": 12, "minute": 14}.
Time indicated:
{"hour": 6, "minute": 23}
